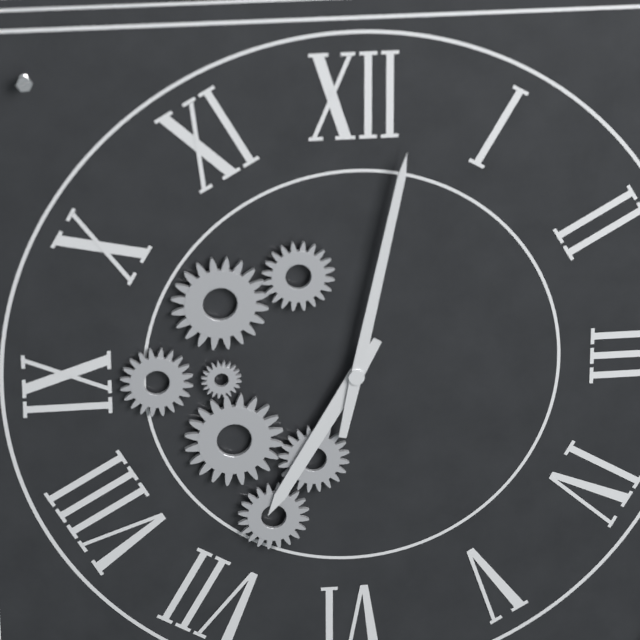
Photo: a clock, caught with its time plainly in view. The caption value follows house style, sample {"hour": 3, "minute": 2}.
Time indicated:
{"hour": 7, "minute": 2}
